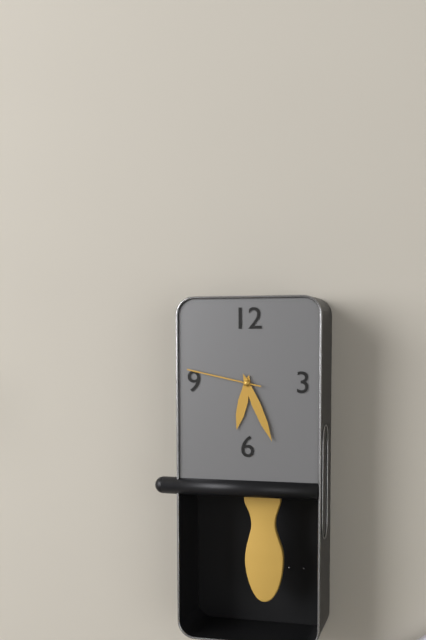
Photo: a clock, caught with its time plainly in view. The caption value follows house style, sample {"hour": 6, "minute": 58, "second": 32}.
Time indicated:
{"hour": 6, "minute": 26, "second": 47}
